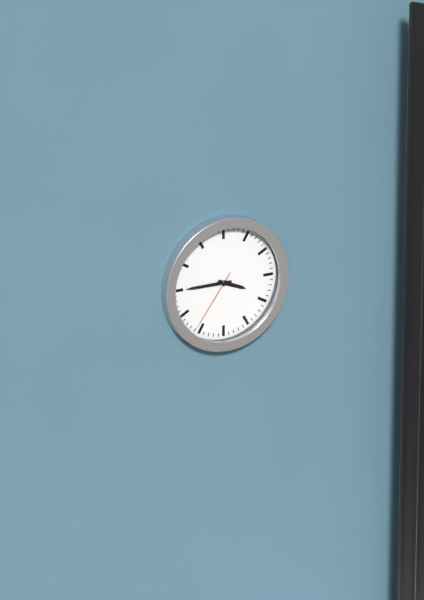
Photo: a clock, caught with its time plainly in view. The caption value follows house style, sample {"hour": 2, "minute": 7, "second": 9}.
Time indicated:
{"hour": 3, "minute": 45, "second": 36}
